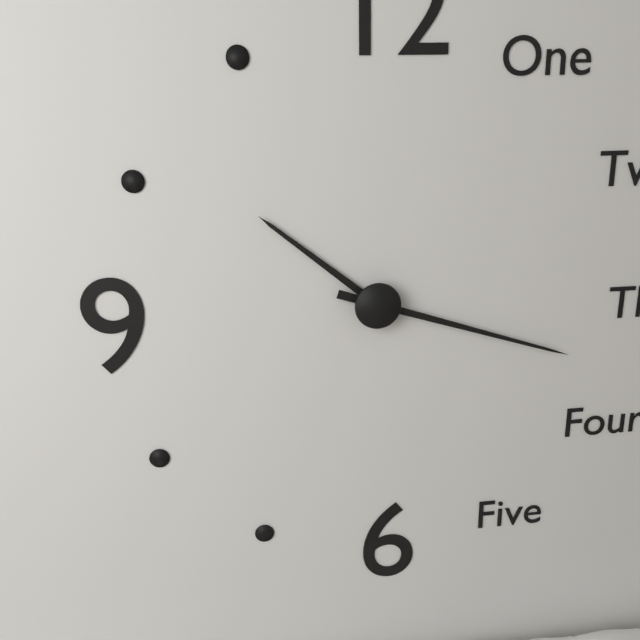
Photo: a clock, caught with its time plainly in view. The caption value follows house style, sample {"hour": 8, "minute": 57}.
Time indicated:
{"hour": 10, "minute": 18}
